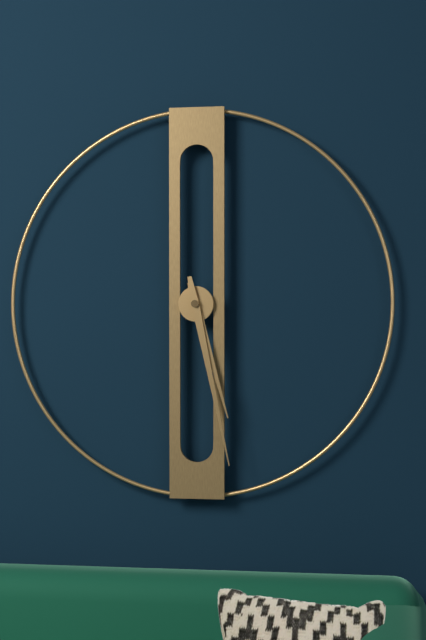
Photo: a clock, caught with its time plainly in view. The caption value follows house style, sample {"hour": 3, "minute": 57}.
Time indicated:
{"hour": 5, "minute": 28}
